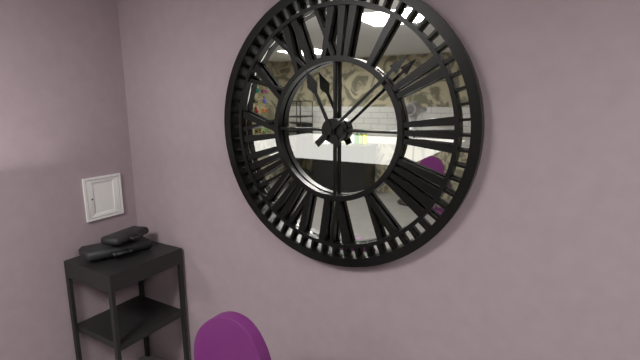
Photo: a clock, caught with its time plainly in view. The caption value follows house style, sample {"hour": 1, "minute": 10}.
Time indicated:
{"hour": 11, "minute": 8}
